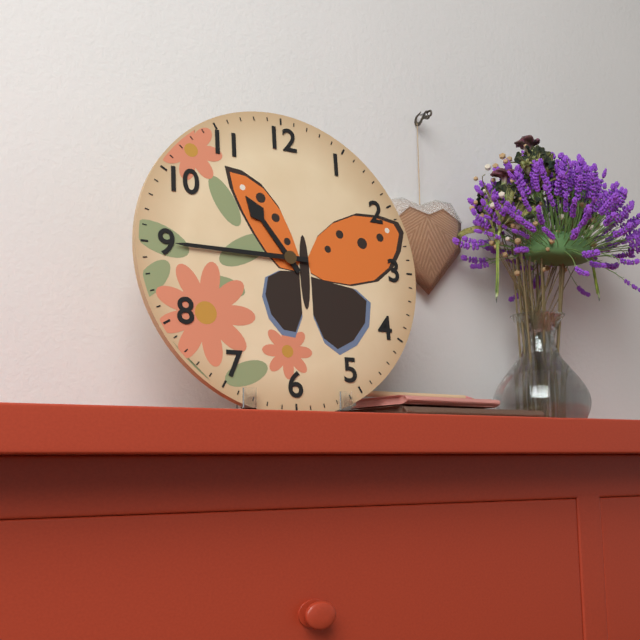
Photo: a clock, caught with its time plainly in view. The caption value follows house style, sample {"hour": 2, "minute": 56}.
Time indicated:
{"hour": 10, "minute": 45}
